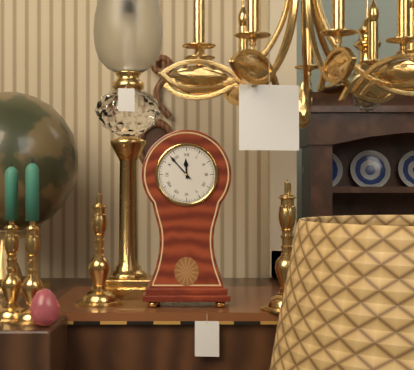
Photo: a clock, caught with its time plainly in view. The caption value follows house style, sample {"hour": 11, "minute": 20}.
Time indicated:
{"hour": 11, "minute": 53}
